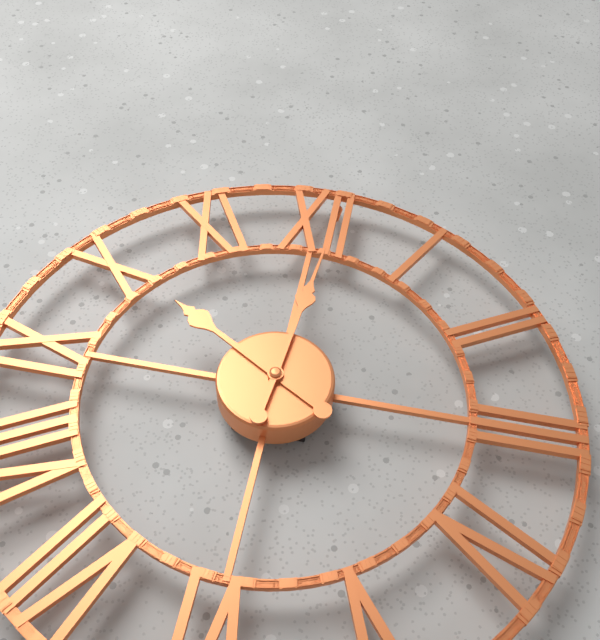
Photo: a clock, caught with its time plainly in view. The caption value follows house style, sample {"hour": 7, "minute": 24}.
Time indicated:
{"hour": 10, "minute": 1}
